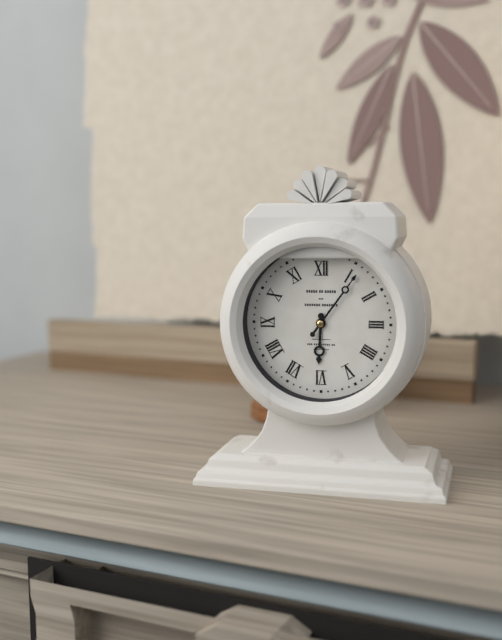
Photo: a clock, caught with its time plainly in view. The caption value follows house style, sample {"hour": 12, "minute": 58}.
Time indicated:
{"hour": 6, "minute": 6}
